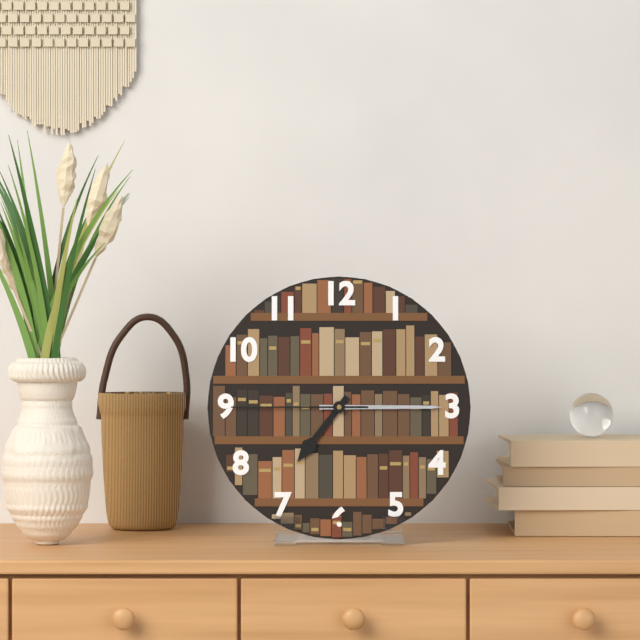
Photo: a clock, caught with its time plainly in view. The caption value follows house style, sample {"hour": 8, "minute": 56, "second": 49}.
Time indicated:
{"hour": 7, "minute": 15, "second": 45}
